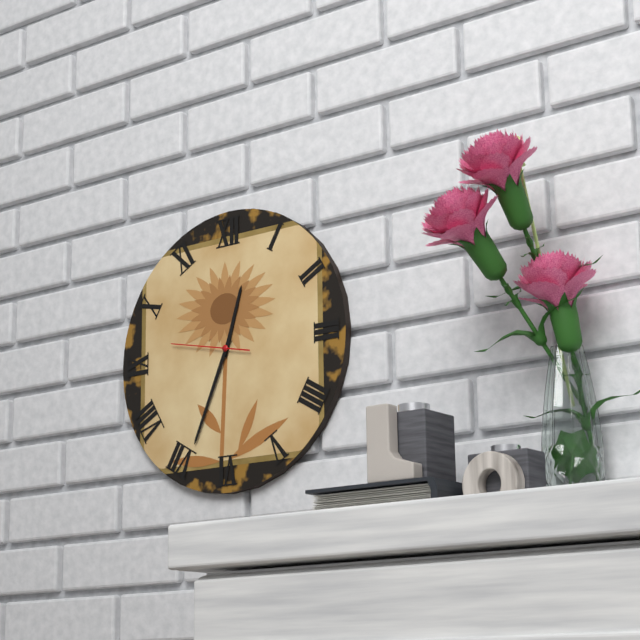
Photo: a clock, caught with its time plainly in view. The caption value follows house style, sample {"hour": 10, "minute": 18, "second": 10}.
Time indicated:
{"hour": 12, "minute": 34, "second": 47}
